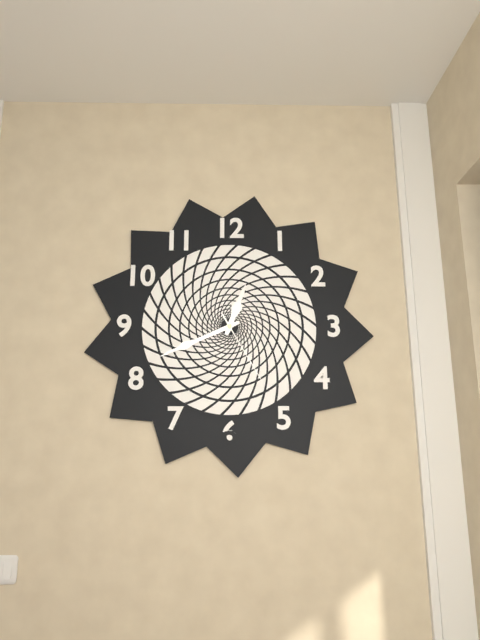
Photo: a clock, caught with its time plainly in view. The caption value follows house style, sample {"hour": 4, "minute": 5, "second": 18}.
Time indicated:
{"hour": 12, "minute": 41, "second": 25}
